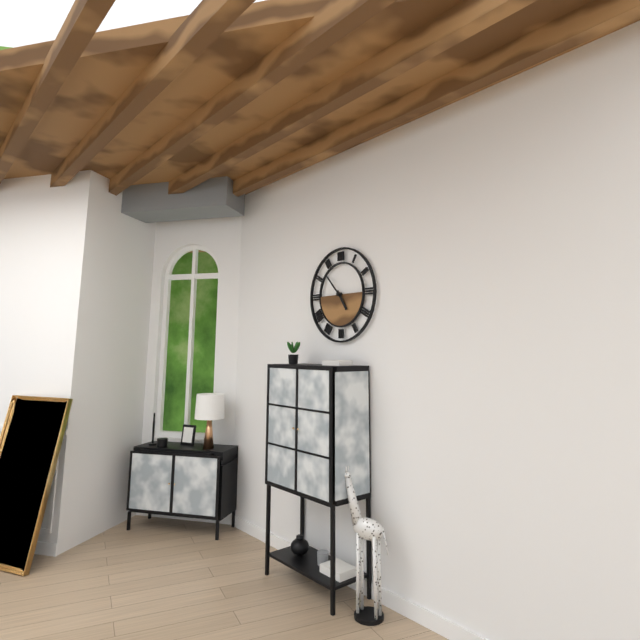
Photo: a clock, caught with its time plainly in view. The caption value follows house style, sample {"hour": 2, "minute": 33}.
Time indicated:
{"hour": 4, "minute": 53}
